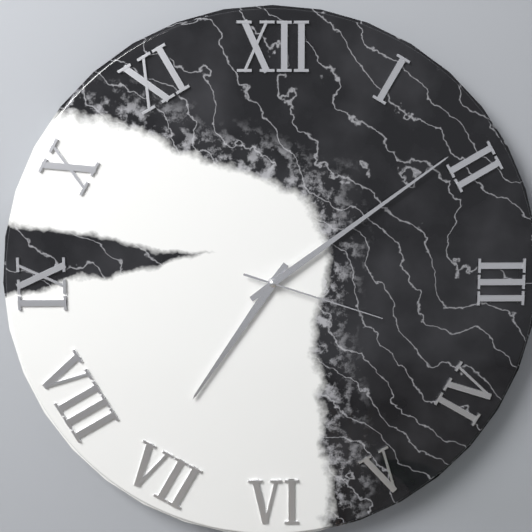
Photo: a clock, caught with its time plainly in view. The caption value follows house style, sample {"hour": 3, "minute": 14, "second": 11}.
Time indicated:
{"hour": 7, "minute": 9, "second": 18}
